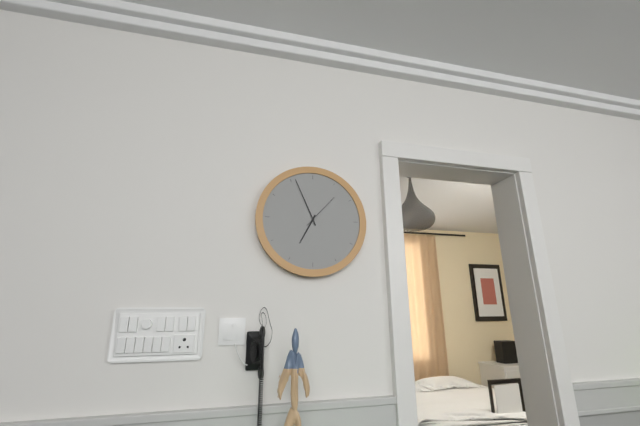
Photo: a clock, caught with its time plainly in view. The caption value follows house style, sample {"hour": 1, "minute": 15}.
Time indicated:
{"hour": 6, "minute": 56}
